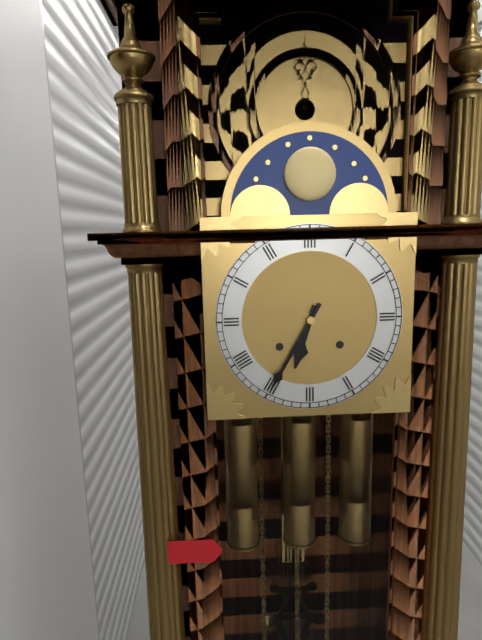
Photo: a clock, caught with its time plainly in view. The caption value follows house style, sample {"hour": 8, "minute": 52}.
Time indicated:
{"hour": 6, "minute": 35}
